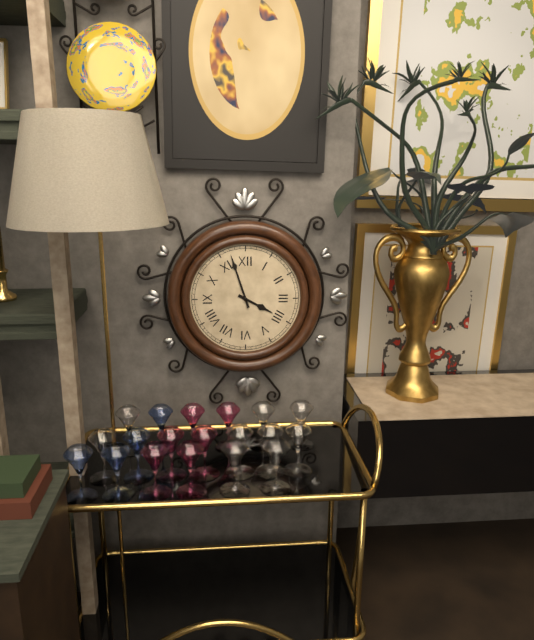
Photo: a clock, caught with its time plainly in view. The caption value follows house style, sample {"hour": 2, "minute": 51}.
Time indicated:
{"hour": 3, "minute": 57}
